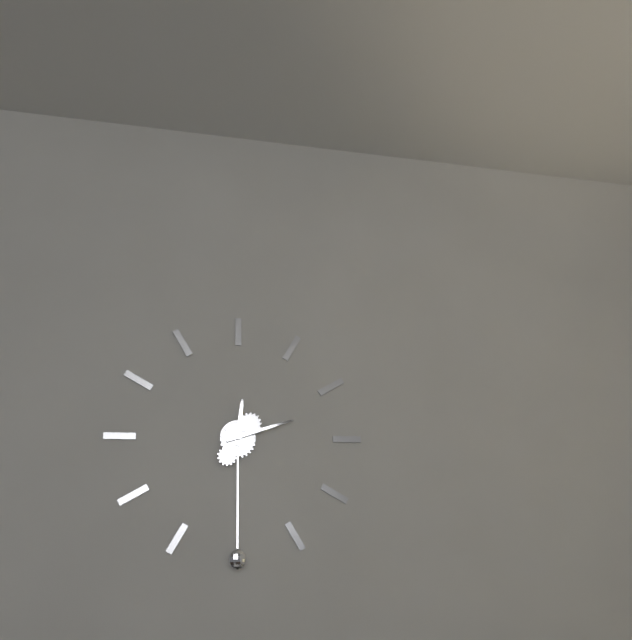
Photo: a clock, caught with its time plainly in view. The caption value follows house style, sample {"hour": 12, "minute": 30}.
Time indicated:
{"hour": 12, "minute": 12}
